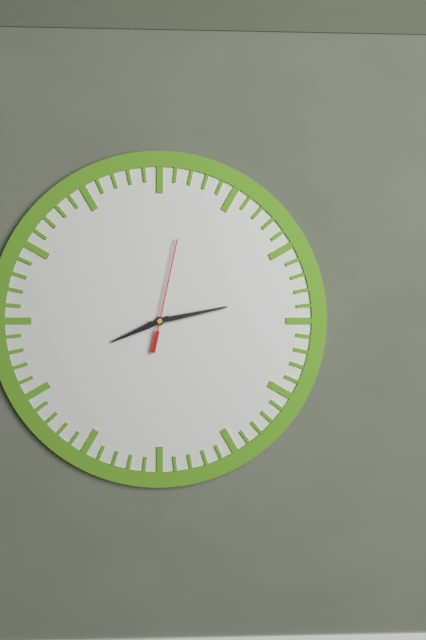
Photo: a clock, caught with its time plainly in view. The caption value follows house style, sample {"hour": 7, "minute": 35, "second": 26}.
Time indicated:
{"hour": 8, "minute": 13, "second": 2}
